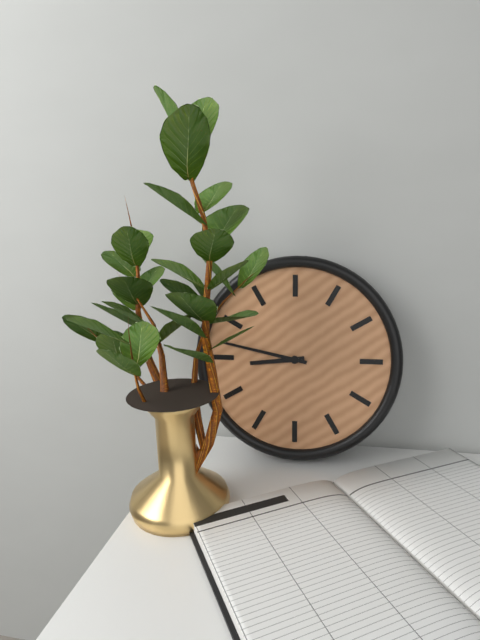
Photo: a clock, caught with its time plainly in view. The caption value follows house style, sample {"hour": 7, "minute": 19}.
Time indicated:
{"hour": 8, "minute": 47}
